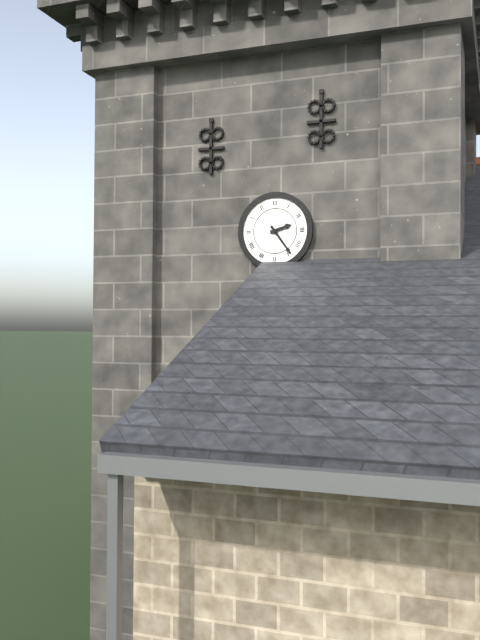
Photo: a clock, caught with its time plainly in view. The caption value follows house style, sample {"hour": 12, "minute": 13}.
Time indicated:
{"hour": 2, "minute": 24}
